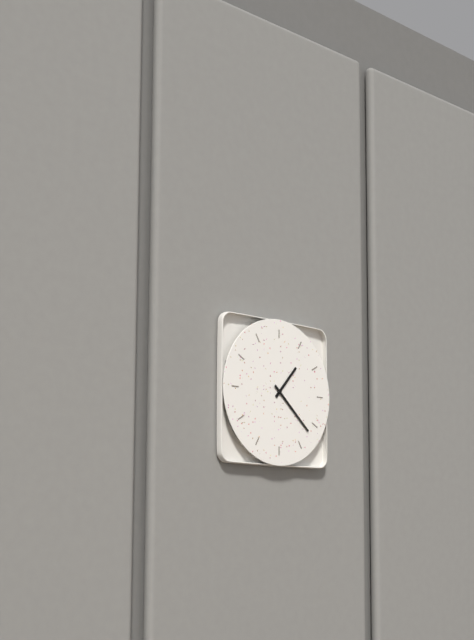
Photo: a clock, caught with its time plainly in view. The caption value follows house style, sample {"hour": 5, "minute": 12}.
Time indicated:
{"hour": 1, "minute": 22}
